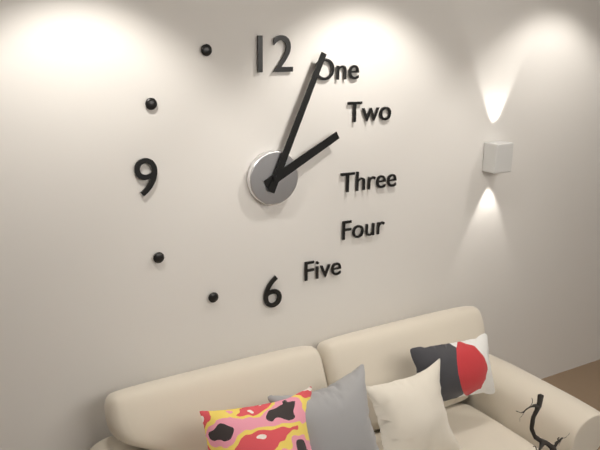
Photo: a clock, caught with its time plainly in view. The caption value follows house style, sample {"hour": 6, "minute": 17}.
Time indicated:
{"hour": 2, "minute": 4}
